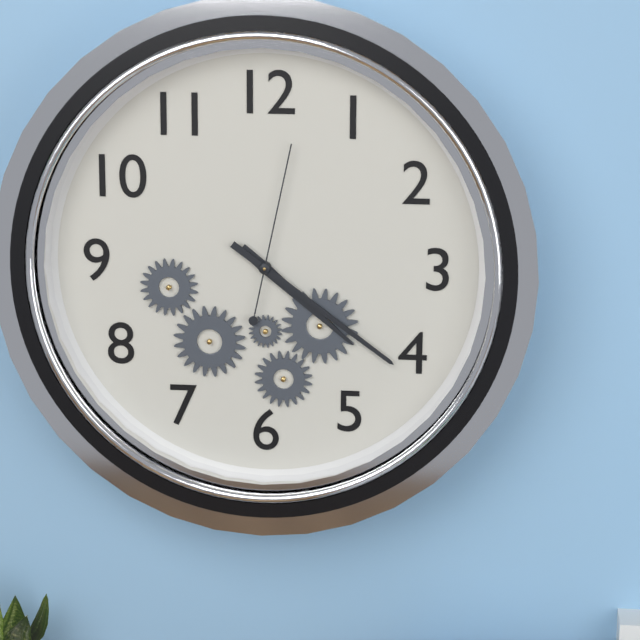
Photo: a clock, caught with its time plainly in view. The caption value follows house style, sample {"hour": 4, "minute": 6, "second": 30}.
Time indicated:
{"hour": 4, "minute": 21, "second": 2}
